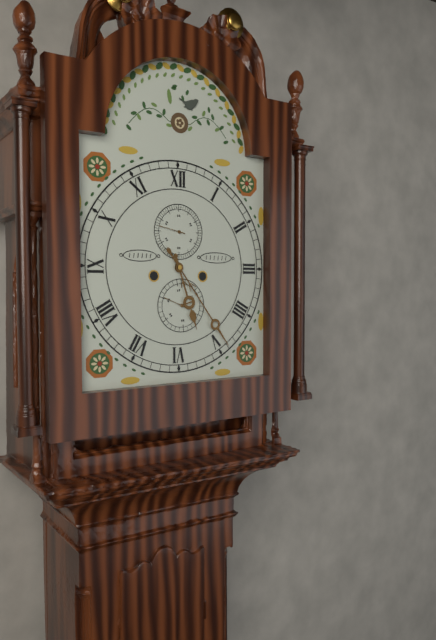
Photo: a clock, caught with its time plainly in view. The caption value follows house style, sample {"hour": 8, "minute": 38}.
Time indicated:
{"hour": 5, "minute": 24}
